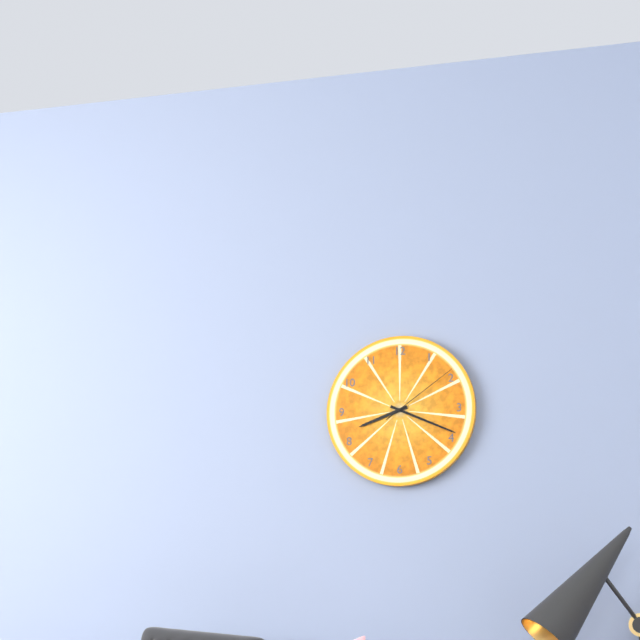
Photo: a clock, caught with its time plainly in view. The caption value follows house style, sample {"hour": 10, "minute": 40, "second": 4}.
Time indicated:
{"hour": 8, "minute": 19, "second": 9}
